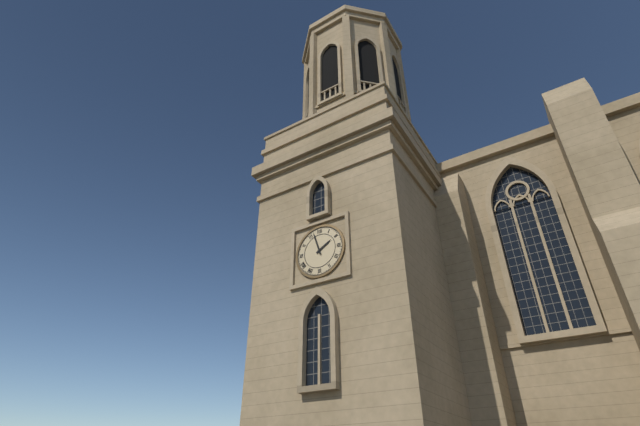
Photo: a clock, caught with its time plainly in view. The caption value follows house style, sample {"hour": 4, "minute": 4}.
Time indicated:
{"hour": 1, "minute": 57}
